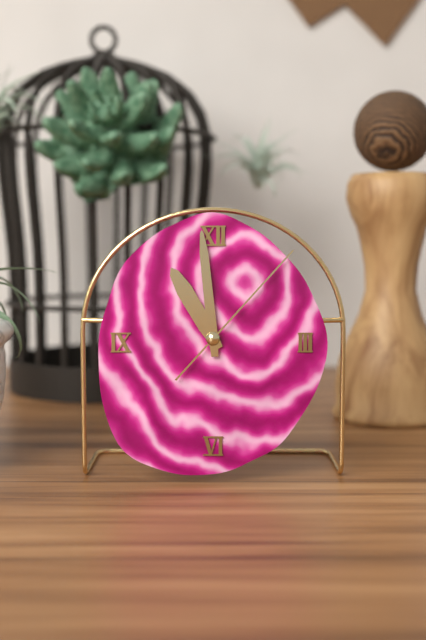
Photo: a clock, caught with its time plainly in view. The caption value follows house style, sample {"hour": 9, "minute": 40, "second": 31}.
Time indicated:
{"hour": 10, "minute": 59, "second": 7}
